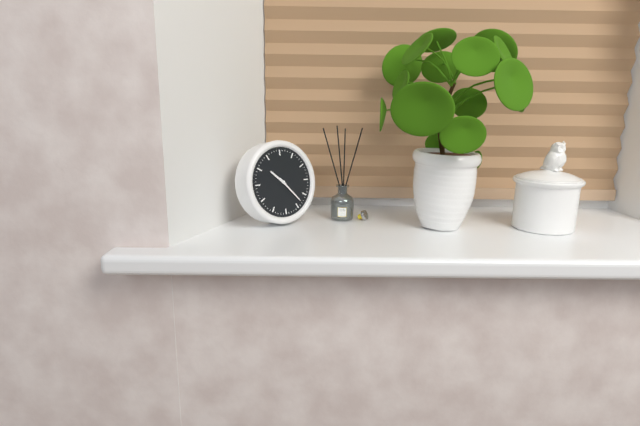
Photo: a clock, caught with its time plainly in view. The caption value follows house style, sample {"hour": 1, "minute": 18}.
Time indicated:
{"hour": 10, "minute": 23}
